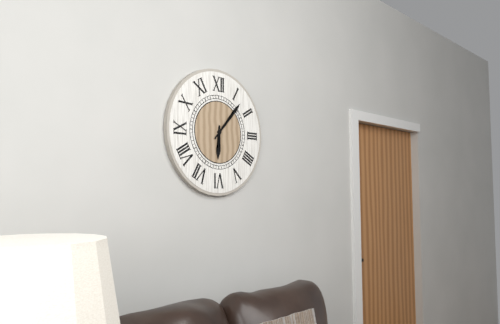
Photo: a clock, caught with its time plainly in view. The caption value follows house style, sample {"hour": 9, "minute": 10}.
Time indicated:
{"hour": 6, "minute": 7}
